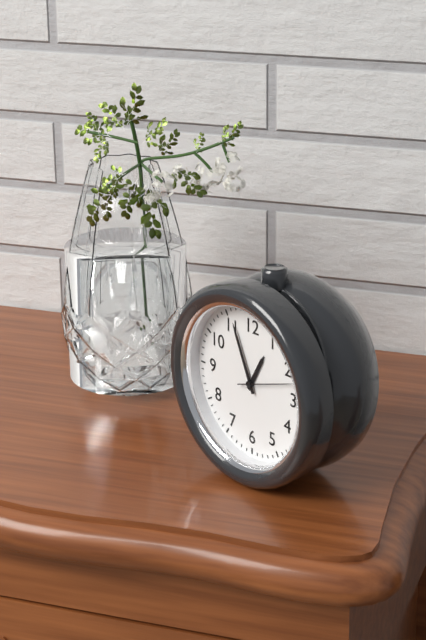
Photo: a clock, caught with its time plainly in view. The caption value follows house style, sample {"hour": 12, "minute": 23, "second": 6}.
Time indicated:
{"hour": 12, "minute": 56, "second": 12}
